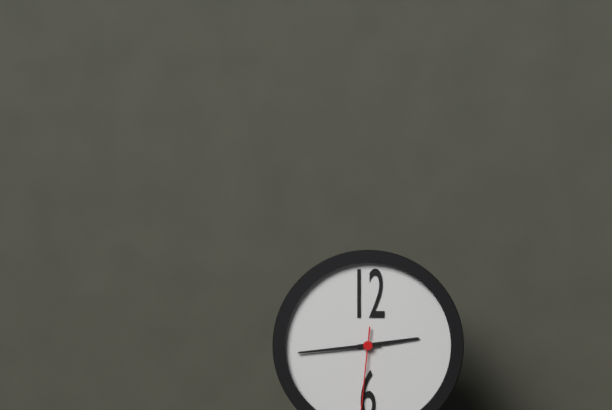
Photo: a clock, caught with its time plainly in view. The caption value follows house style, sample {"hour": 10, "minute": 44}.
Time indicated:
{"hour": 2, "minute": 44}
